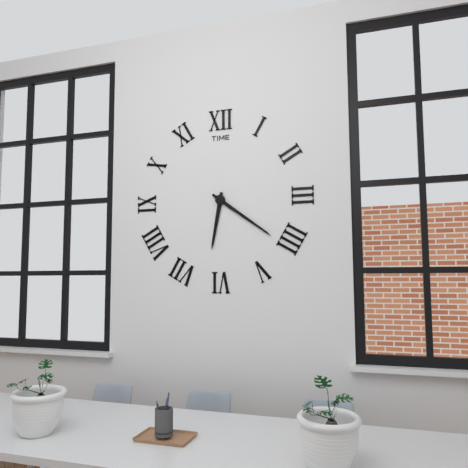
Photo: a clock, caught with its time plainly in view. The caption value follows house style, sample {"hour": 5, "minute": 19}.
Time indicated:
{"hour": 6, "minute": 21}
